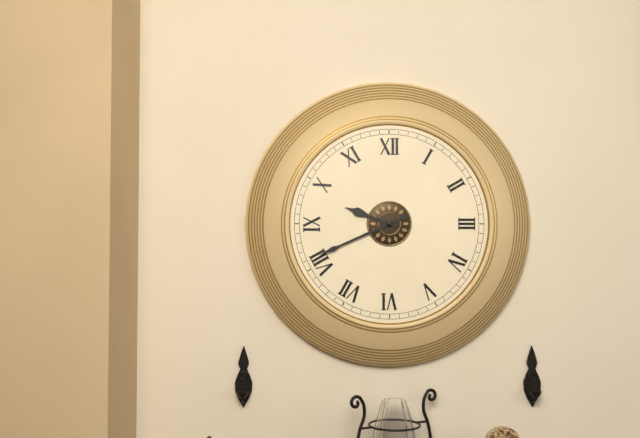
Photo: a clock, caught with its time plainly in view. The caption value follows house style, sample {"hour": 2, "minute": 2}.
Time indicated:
{"hour": 9, "minute": 41}
